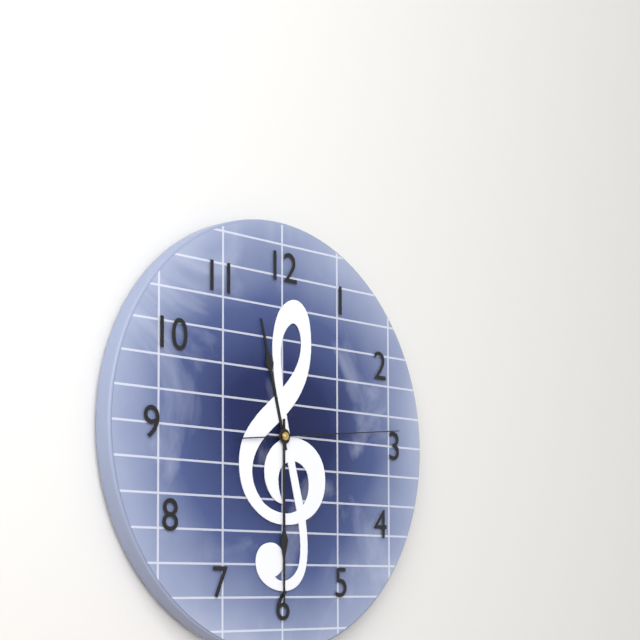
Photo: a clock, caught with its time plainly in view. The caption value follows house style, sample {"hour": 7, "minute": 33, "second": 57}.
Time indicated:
{"hour": 11, "minute": 30, "second": 14}
